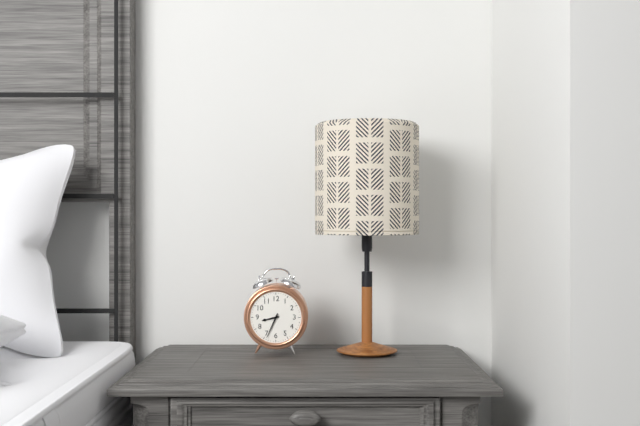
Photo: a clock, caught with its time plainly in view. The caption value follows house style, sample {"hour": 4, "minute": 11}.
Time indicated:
{"hour": 8, "minute": 34}
